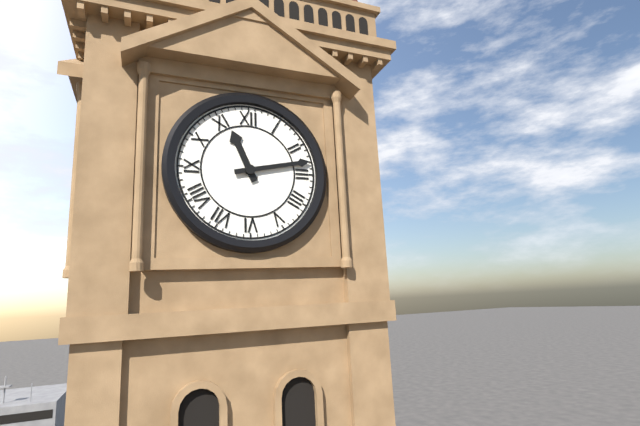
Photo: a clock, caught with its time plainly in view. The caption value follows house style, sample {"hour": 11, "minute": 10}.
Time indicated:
{"hour": 11, "minute": 13}
